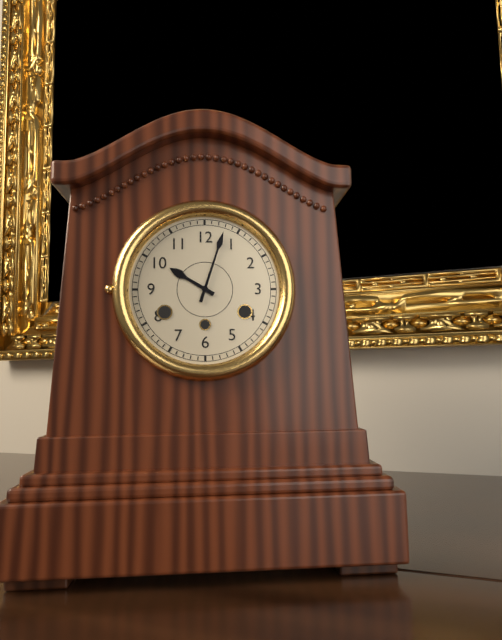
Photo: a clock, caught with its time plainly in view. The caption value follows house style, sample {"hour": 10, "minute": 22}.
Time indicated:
{"hour": 10, "minute": 3}
